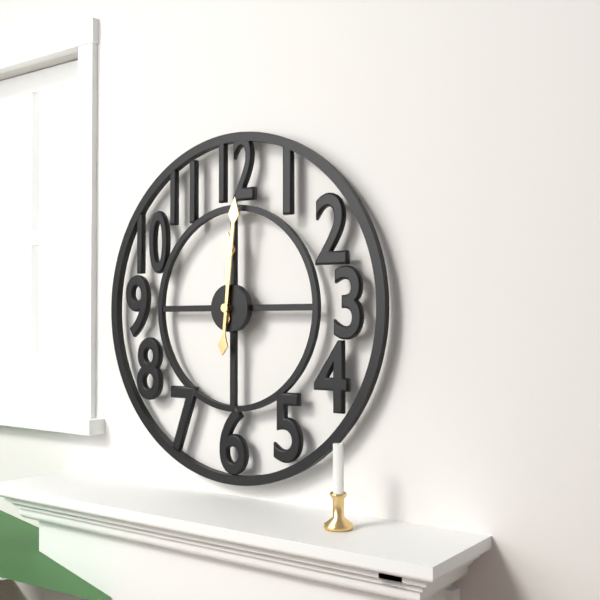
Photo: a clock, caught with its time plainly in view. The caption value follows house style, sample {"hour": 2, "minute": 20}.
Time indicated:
{"hour": 12, "minute": 1}
